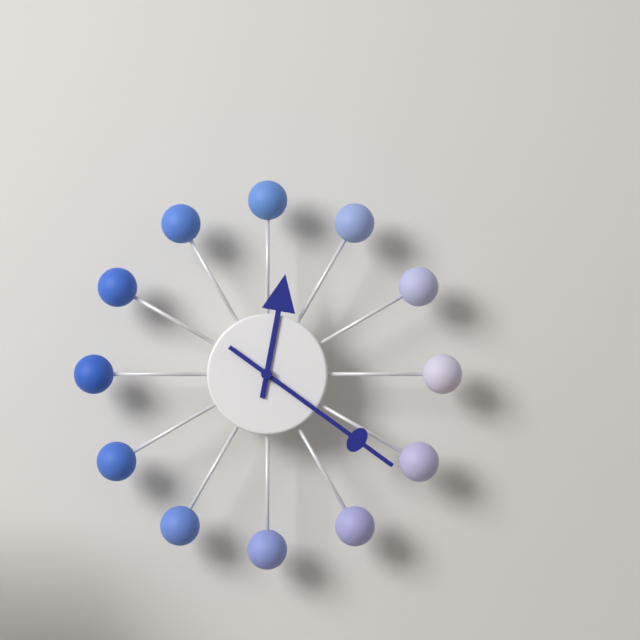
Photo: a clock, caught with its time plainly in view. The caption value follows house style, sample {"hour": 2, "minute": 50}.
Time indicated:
{"hour": 12, "minute": 21}
